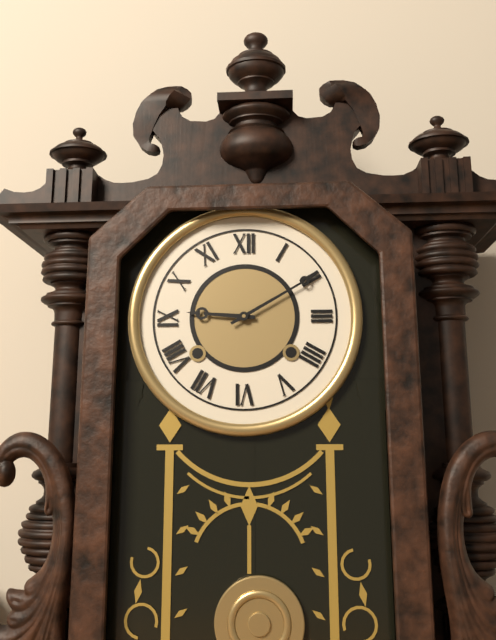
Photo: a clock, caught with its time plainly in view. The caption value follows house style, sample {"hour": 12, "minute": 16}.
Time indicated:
{"hour": 9, "minute": 10}
